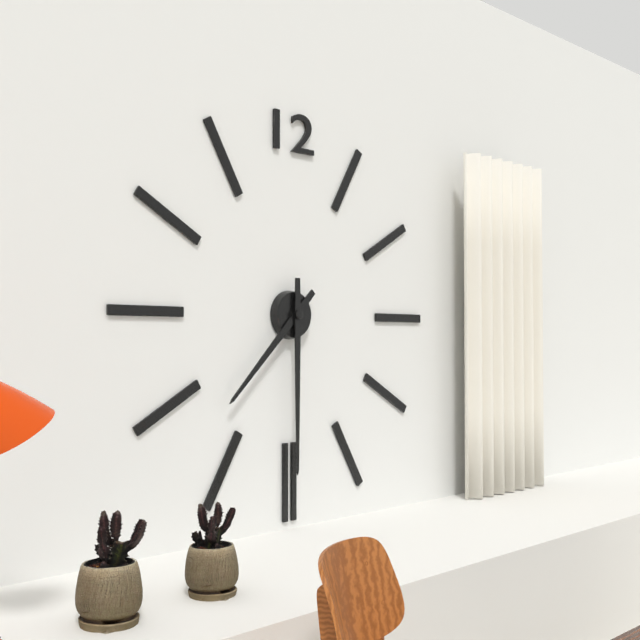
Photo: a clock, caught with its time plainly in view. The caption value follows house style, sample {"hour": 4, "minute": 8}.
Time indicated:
{"hour": 7, "minute": 30}
